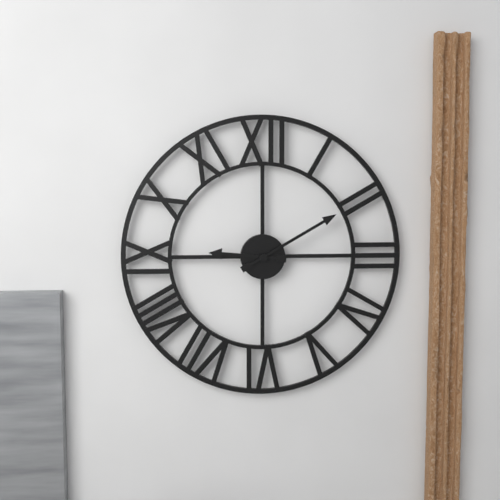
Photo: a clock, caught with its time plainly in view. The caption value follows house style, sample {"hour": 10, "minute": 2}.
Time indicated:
{"hour": 9, "minute": 10}
